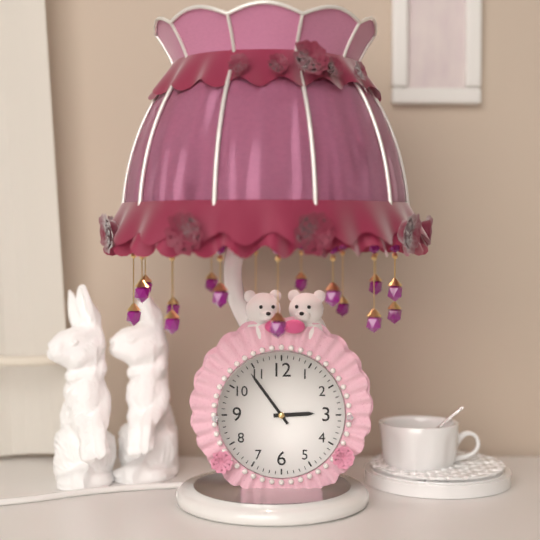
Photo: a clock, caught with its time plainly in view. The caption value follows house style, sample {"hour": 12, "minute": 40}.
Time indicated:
{"hour": 2, "minute": 54}
